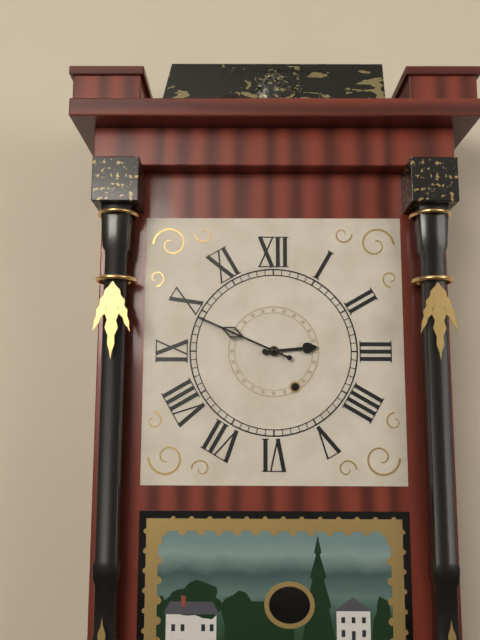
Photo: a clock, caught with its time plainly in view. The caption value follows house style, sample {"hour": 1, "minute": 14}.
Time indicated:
{"hour": 2, "minute": 49}
